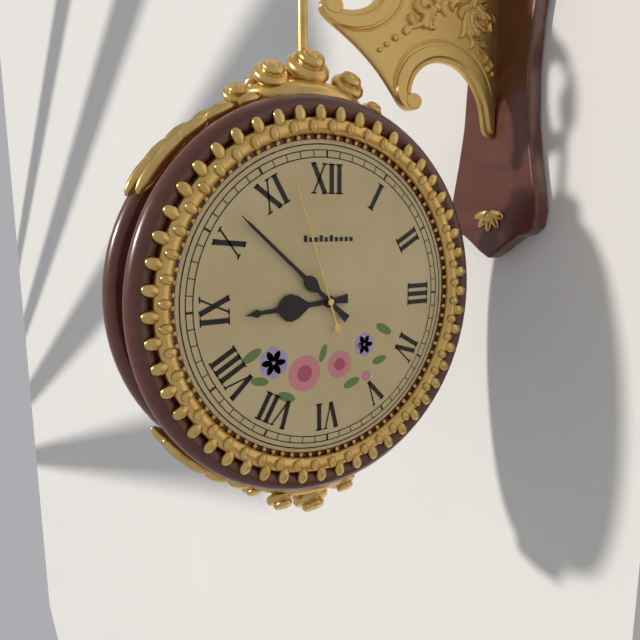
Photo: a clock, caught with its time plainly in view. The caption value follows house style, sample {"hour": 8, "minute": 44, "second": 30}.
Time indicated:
{"hour": 8, "minute": 52, "second": 57}
